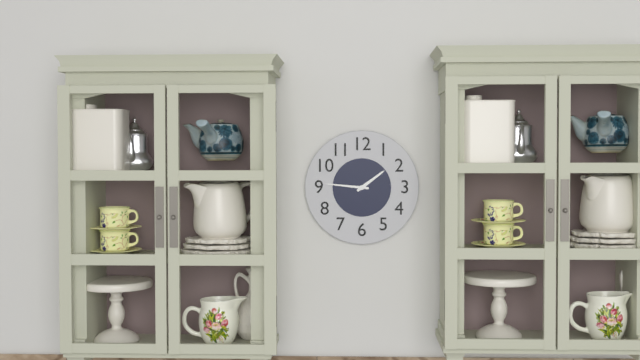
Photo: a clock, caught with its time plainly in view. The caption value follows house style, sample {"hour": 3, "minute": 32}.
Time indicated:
{"hour": 1, "minute": 46}
